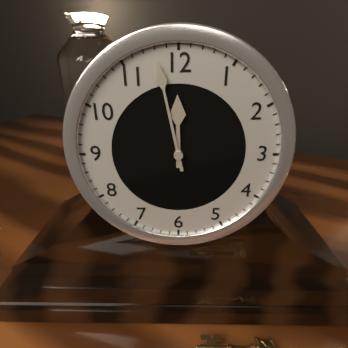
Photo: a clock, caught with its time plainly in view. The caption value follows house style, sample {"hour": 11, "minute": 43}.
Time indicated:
{"hour": 11, "minute": 58}
